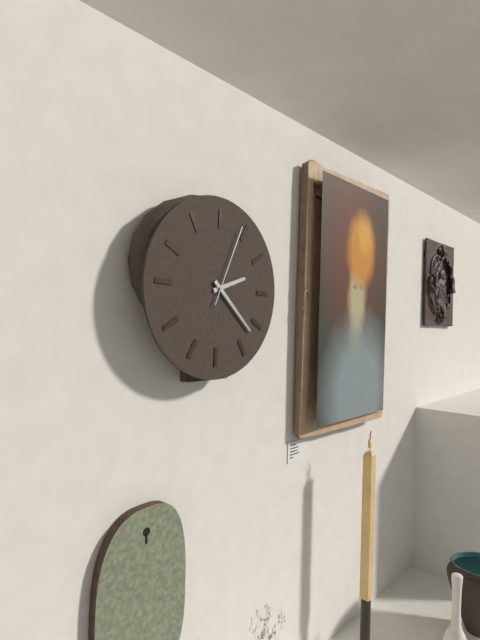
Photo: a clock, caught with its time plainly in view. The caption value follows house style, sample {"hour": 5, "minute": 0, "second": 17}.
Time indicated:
{"hour": 2, "minute": 22, "second": 4}
